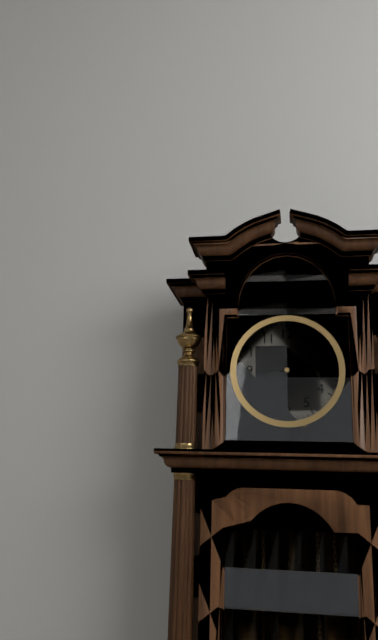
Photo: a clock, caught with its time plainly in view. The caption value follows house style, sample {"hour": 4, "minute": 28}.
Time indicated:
{"hour": 8, "minute": 13}
